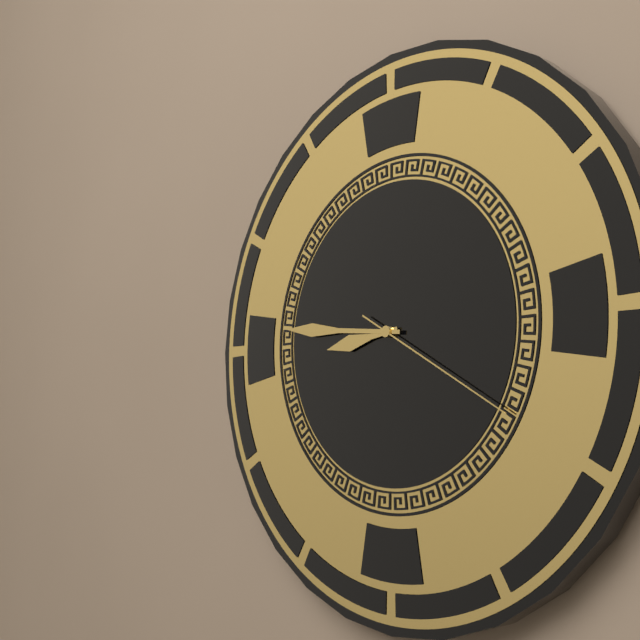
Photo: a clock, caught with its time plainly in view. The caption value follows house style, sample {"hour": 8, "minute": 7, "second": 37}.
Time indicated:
{"hour": 8, "minute": 46, "second": 20}
